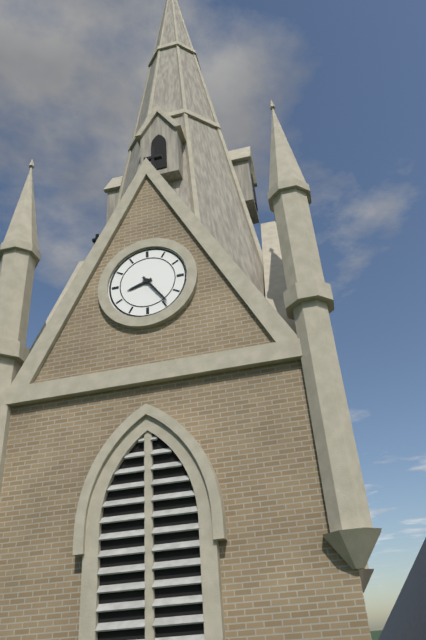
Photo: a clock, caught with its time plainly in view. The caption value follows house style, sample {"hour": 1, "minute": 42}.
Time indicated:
{"hour": 8, "minute": 24}
